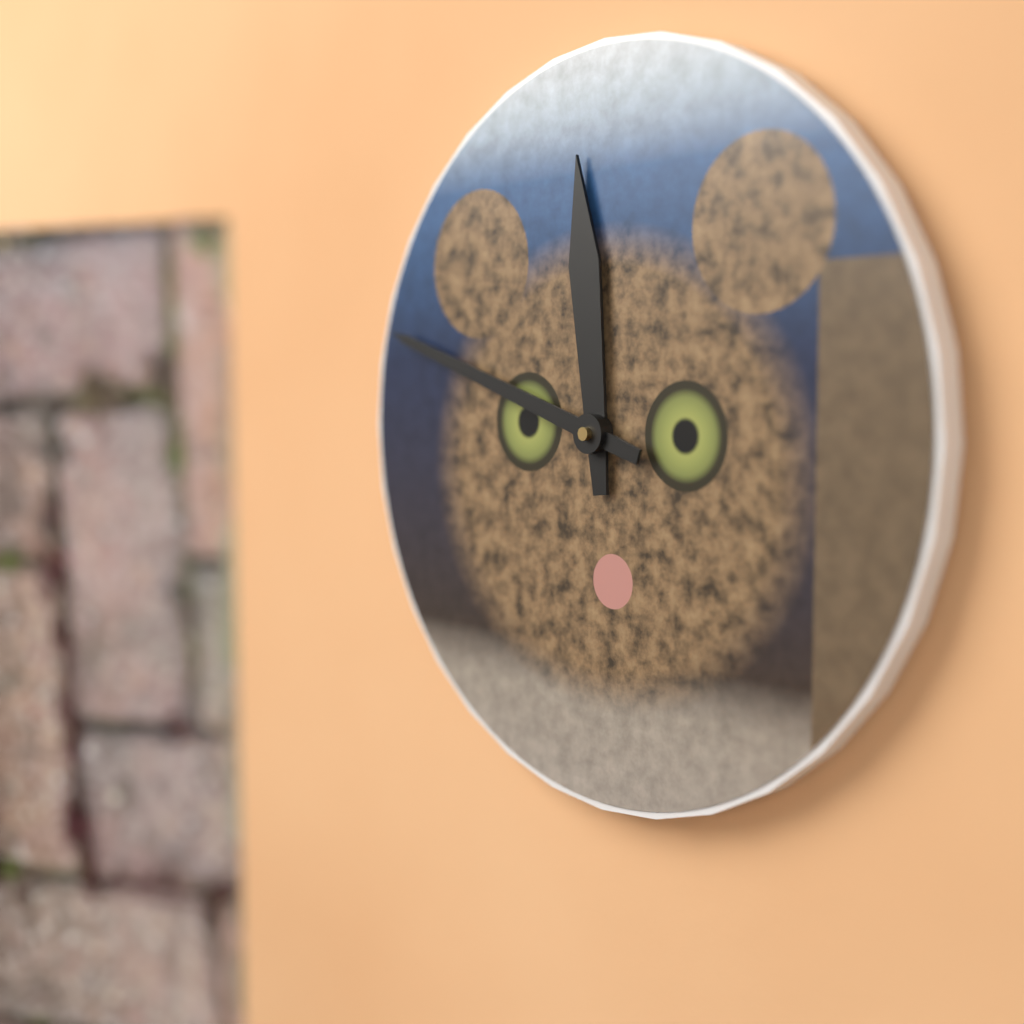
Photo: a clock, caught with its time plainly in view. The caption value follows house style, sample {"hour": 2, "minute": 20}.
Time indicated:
{"hour": 11, "minute": 48}
